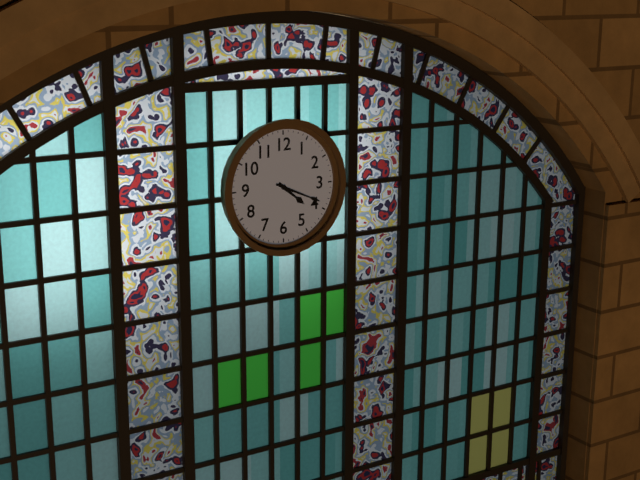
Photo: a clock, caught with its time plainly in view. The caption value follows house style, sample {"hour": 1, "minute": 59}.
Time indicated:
{"hour": 4, "minute": 19}
